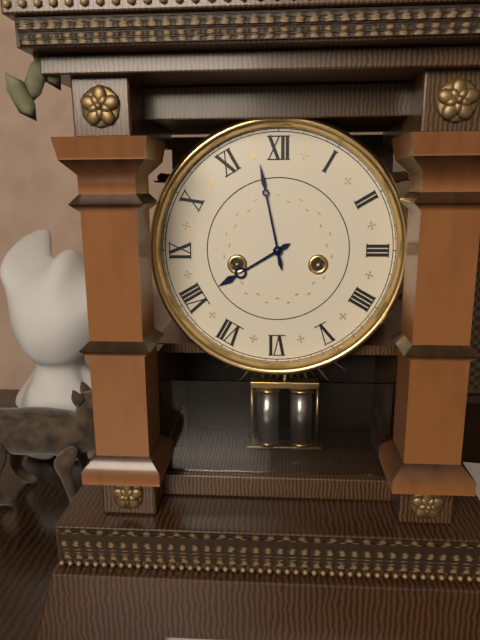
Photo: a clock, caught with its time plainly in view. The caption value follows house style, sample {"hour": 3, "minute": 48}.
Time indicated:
{"hour": 7, "minute": 58}
